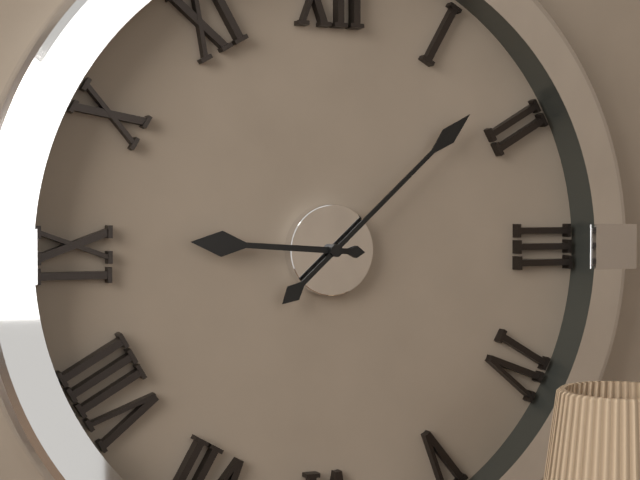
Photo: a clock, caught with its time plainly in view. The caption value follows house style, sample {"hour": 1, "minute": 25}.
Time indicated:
{"hour": 9, "minute": 8}
